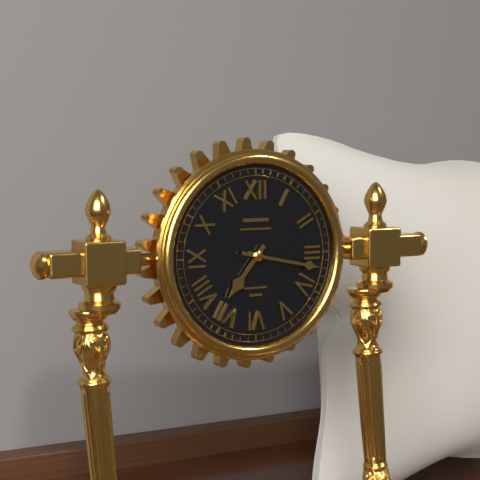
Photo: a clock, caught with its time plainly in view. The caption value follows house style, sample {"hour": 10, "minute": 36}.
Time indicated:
{"hour": 7, "minute": 17}
